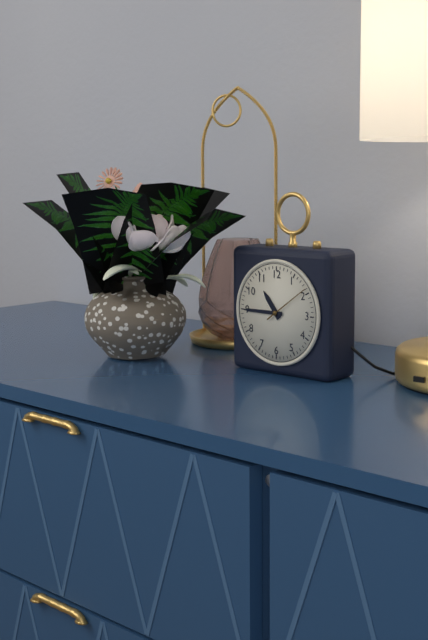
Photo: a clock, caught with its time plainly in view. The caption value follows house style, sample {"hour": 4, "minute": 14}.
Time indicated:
{"hour": 10, "minute": 45}
